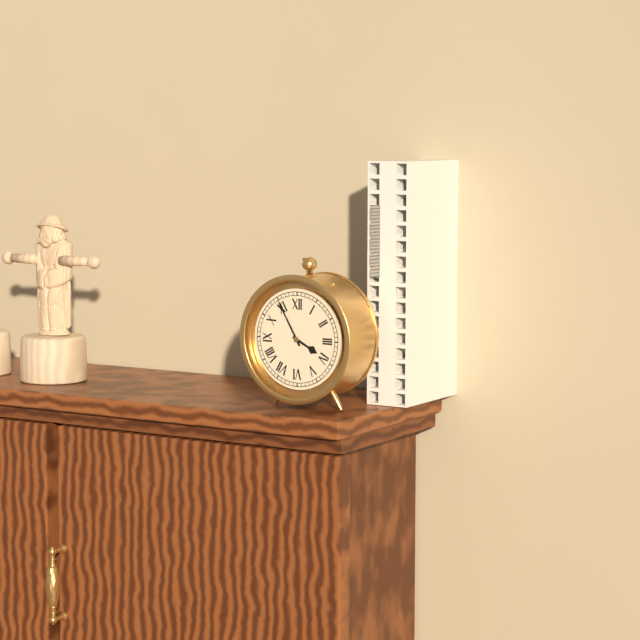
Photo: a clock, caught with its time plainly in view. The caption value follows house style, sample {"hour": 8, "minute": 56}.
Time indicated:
{"hour": 3, "minute": 55}
